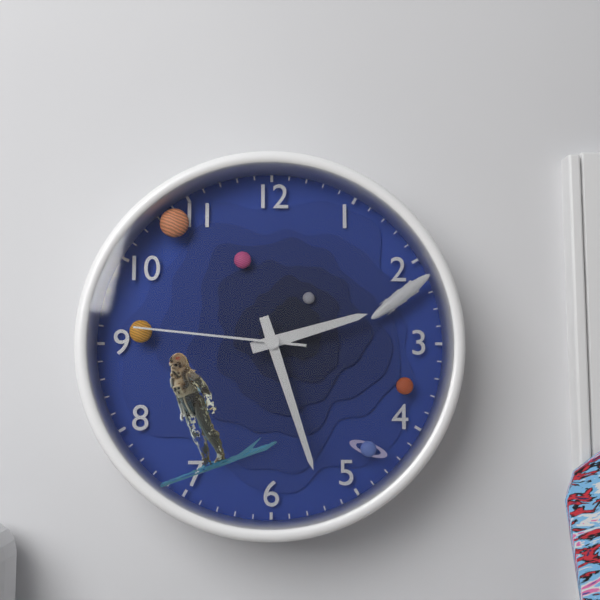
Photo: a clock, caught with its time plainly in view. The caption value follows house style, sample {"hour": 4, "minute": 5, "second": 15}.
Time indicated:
{"hour": 2, "minute": 27, "second": 46}
